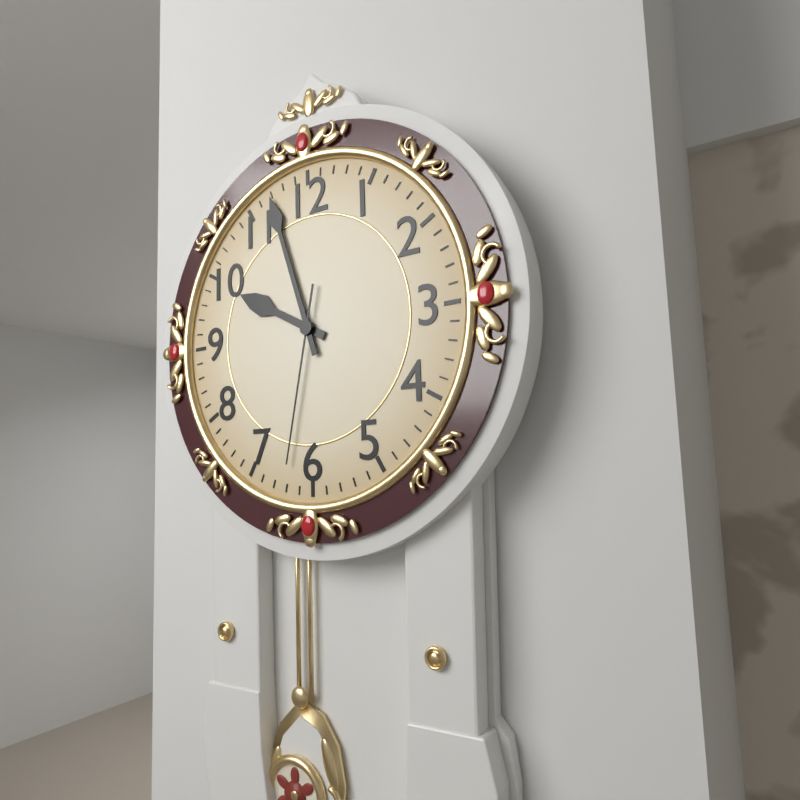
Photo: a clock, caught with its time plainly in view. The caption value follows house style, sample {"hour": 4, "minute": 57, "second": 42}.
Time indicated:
{"hour": 9, "minute": 57, "second": 32}
